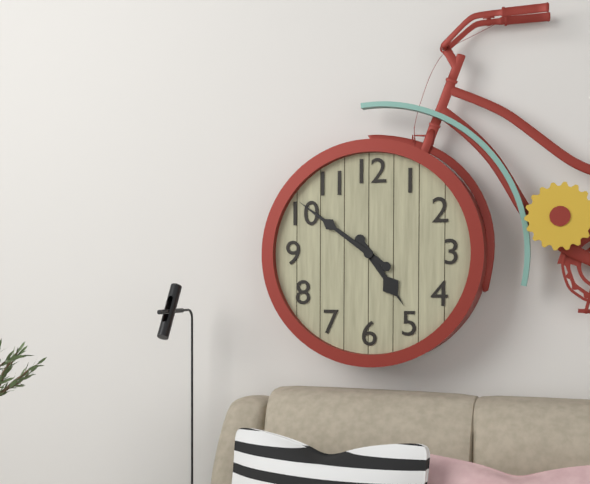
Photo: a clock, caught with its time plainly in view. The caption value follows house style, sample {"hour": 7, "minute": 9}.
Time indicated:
{"hour": 4, "minute": 51}
